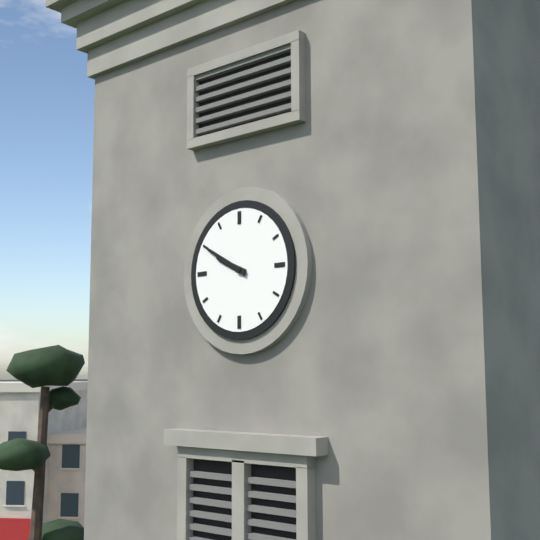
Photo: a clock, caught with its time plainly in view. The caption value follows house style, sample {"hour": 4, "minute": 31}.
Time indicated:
{"hour": 9, "minute": 50}
